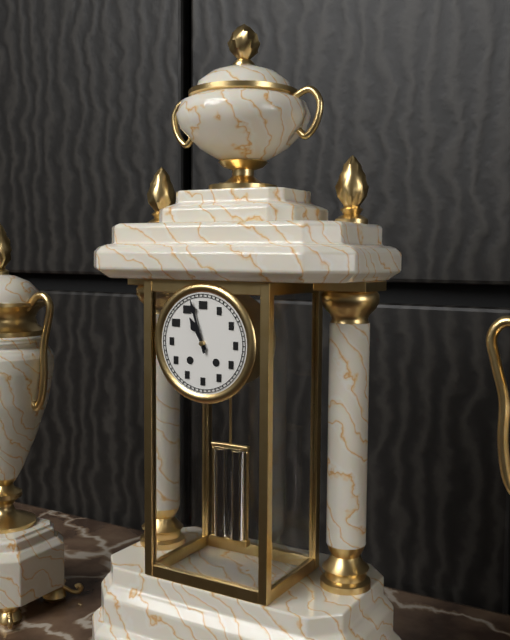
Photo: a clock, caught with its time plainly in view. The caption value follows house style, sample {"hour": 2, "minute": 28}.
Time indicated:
{"hour": 10, "minute": 57}
